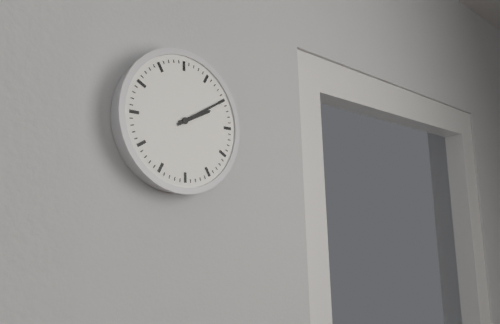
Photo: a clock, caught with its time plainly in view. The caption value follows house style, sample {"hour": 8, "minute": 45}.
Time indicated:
{"hour": 2, "minute": 10}
